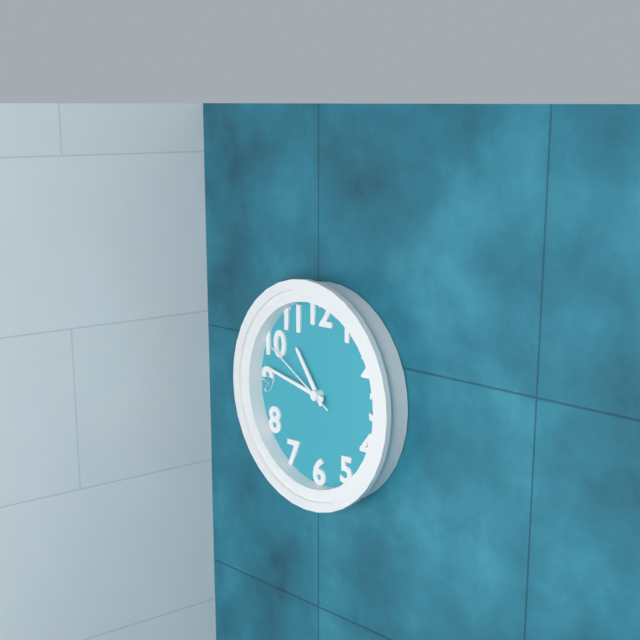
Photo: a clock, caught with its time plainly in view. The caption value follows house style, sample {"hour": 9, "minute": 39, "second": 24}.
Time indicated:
{"hour": 10, "minute": 47, "second": 50}
